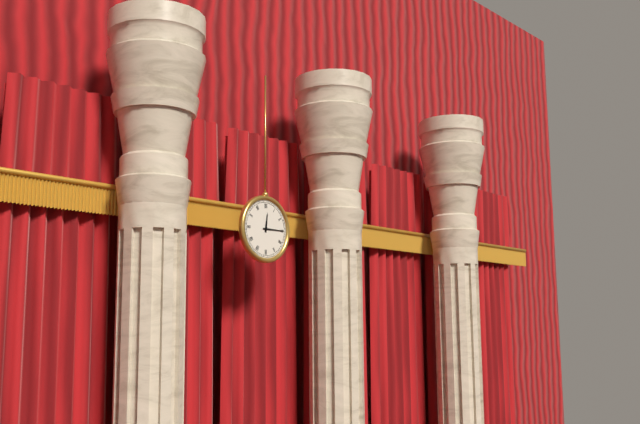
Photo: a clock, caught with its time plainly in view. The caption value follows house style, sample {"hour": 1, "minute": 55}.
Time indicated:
{"hour": 12, "minute": 15}
